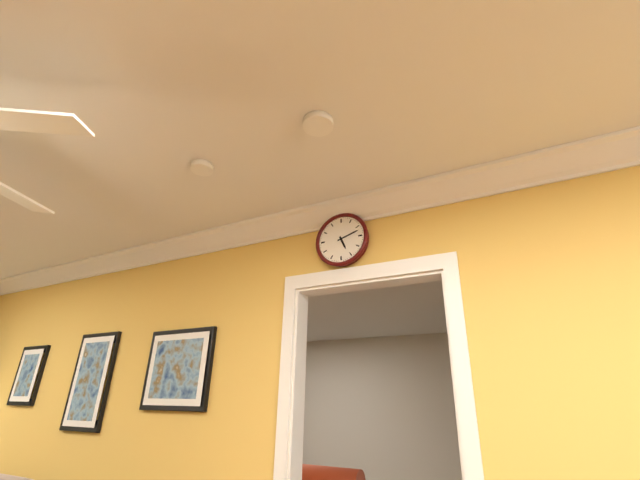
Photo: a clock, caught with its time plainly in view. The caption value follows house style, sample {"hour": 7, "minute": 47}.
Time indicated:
{"hour": 5, "minute": 12}
